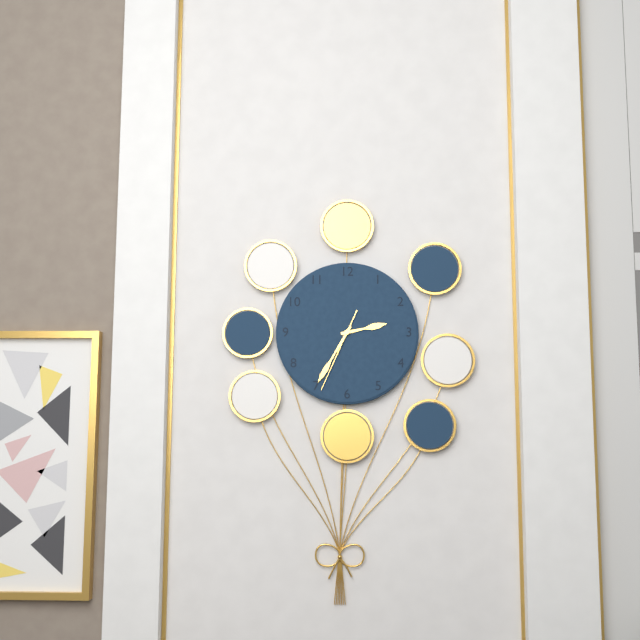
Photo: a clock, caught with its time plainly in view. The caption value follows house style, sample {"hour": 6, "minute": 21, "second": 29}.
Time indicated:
{"hour": 2, "minute": 35, "second": 34}
